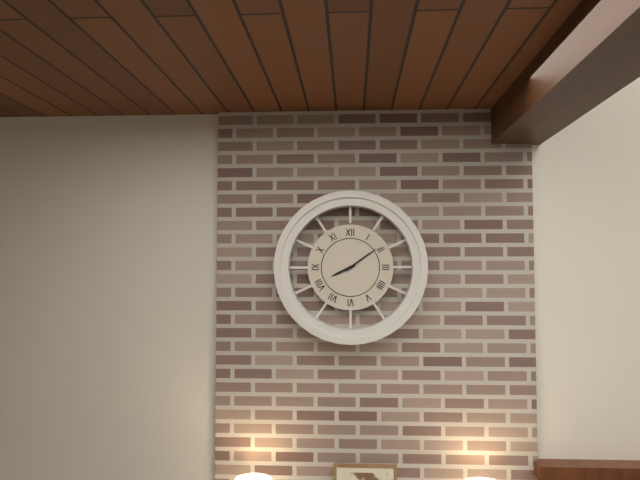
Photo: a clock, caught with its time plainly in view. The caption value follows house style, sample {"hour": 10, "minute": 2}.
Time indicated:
{"hour": 8, "minute": 9}
